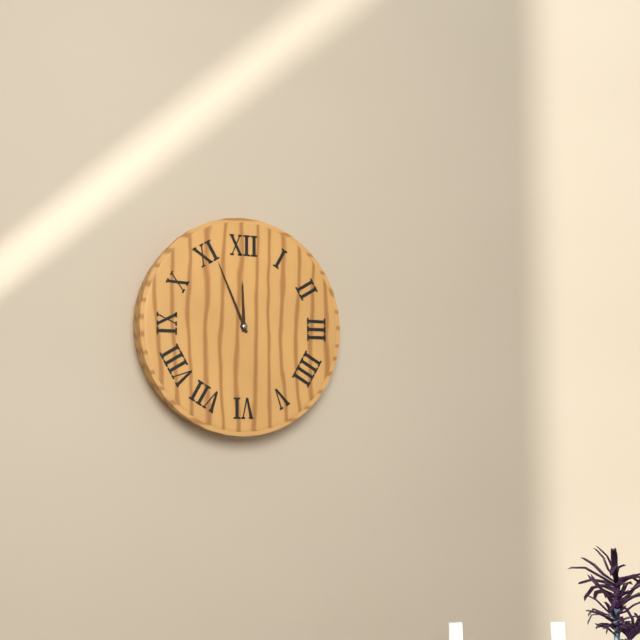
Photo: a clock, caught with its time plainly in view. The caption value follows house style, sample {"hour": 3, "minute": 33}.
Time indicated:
{"hour": 11, "minute": 56}
